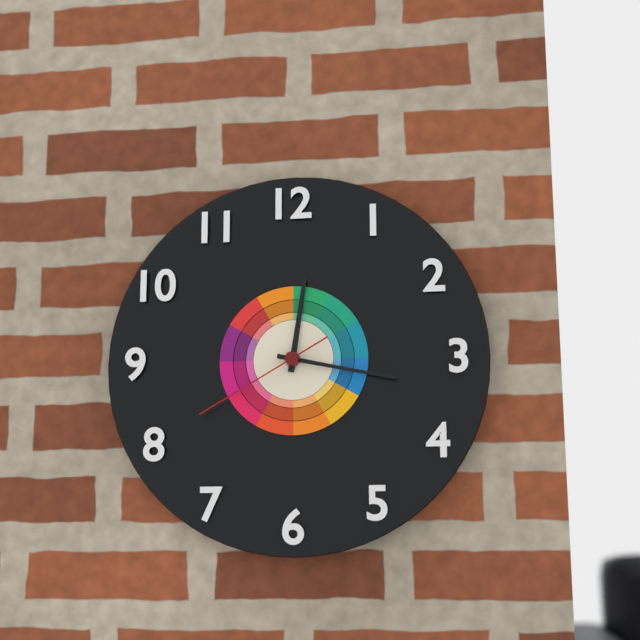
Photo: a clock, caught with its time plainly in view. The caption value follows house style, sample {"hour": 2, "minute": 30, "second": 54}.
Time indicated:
{"hour": 12, "minute": 17, "second": 40}
